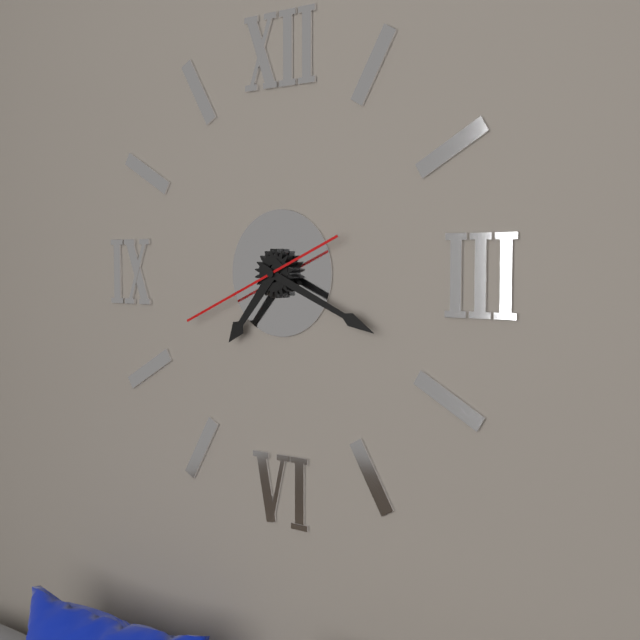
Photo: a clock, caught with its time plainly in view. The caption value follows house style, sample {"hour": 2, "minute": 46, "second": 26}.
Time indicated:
{"hour": 7, "minute": 19, "second": 41}
